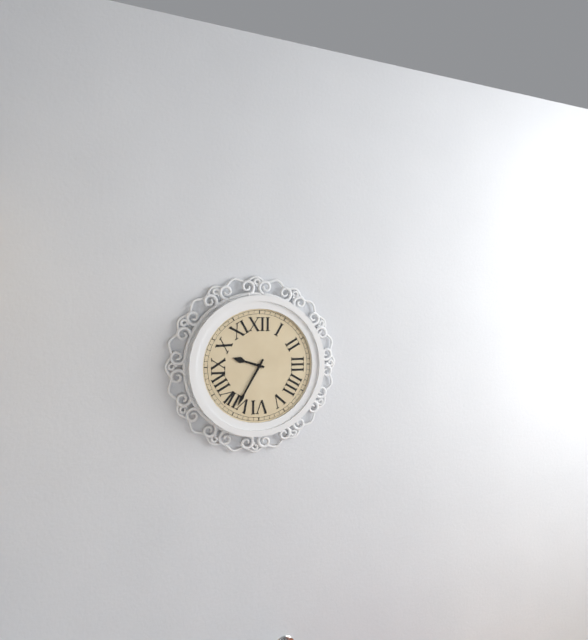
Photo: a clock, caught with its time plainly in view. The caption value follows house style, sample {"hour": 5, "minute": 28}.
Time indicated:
{"hour": 9, "minute": 35}
